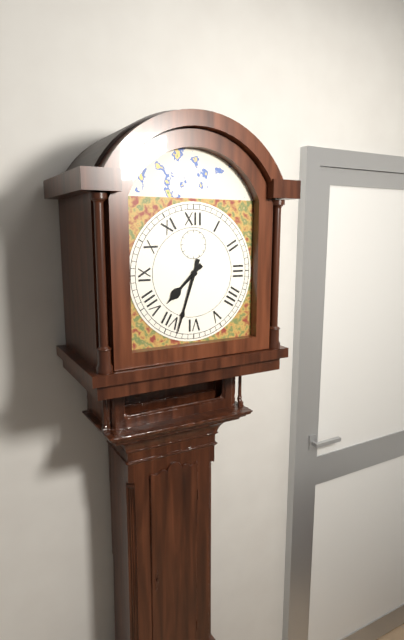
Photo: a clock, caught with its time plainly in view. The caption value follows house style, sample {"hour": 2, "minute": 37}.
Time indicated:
{"hour": 7, "minute": 33}
